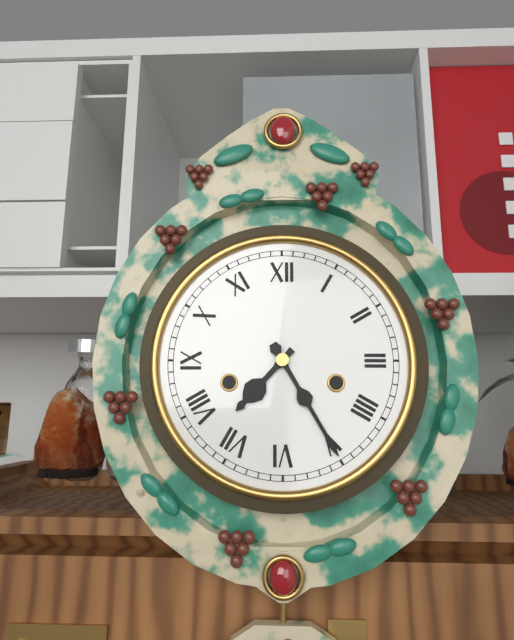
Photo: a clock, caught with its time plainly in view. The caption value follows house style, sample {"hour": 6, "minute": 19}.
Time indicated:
{"hour": 7, "minute": 25}
